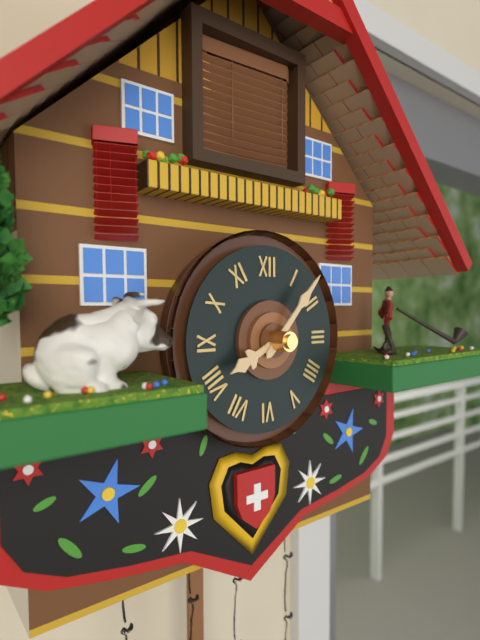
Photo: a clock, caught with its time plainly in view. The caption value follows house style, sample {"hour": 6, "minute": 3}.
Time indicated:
{"hour": 8, "minute": 7}
